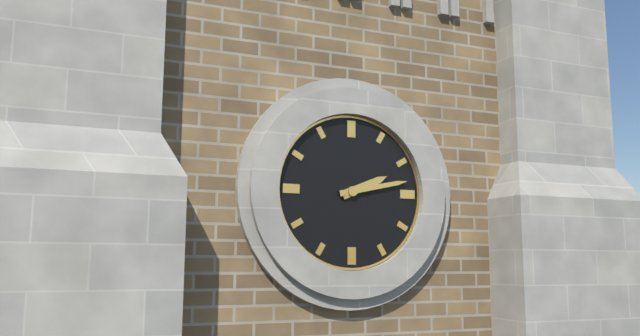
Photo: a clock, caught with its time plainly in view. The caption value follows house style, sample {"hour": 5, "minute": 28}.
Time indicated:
{"hour": 2, "minute": 13}
